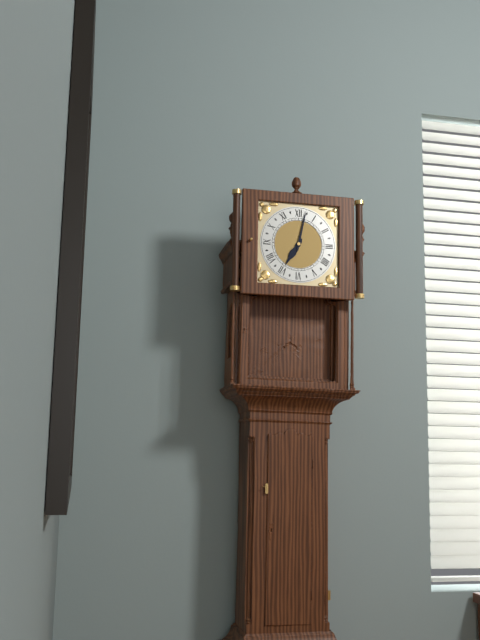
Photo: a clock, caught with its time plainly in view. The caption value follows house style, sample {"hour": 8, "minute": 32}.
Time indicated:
{"hour": 7, "minute": 2}
